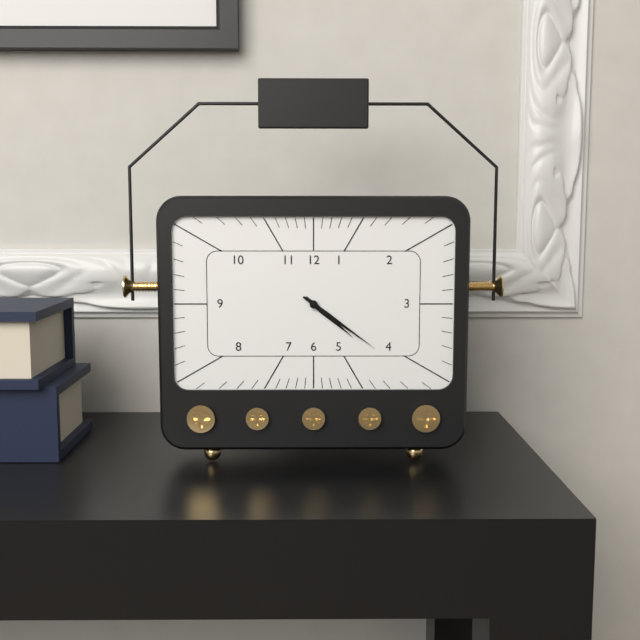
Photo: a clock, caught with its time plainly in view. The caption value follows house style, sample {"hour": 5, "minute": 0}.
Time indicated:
{"hour": 4, "minute": 21}
